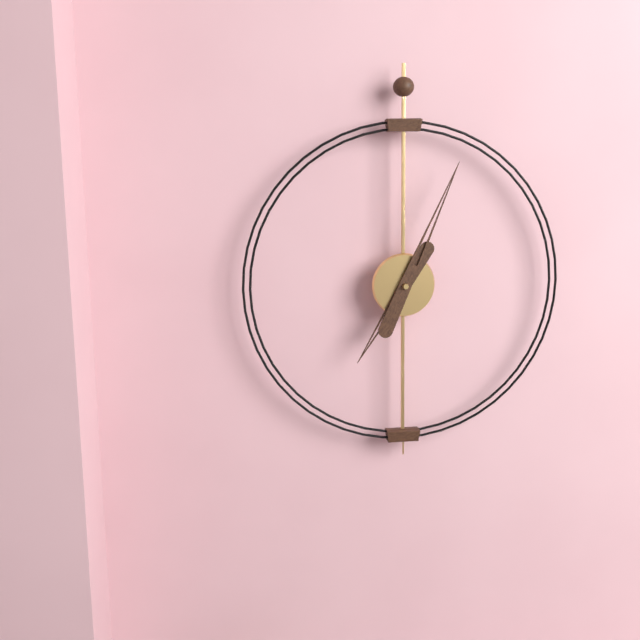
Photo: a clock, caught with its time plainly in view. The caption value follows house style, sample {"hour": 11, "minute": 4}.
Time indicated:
{"hour": 7, "minute": 4}
